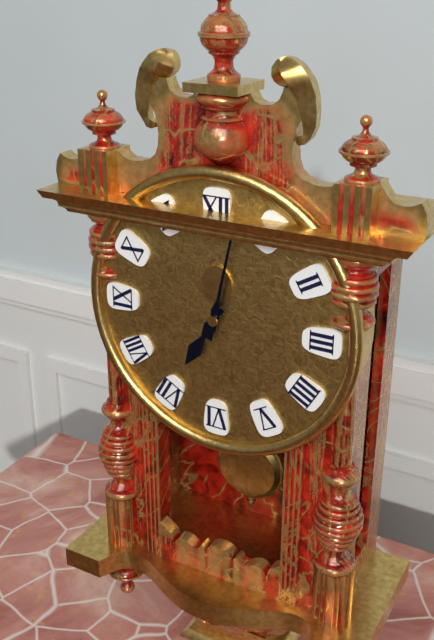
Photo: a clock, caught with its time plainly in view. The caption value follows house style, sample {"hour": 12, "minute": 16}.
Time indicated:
{"hour": 7, "minute": 2}
